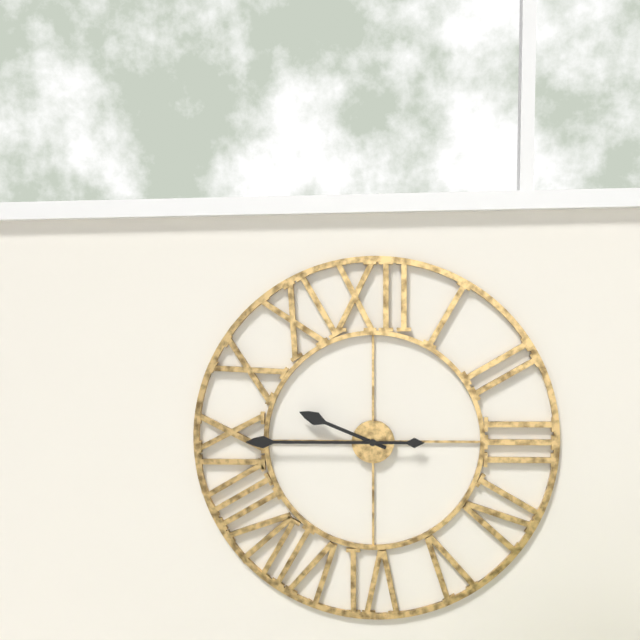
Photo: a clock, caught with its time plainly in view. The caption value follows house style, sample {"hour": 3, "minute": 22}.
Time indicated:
{"hour": 9, "minute": 45}
